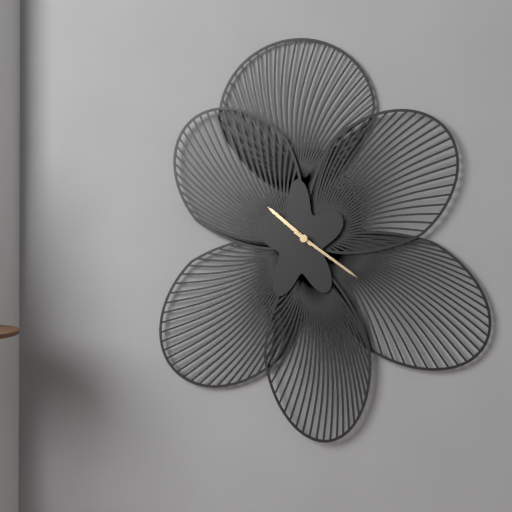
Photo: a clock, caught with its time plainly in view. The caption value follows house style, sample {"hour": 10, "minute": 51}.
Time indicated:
{"hour": 10, "minute": 21}
